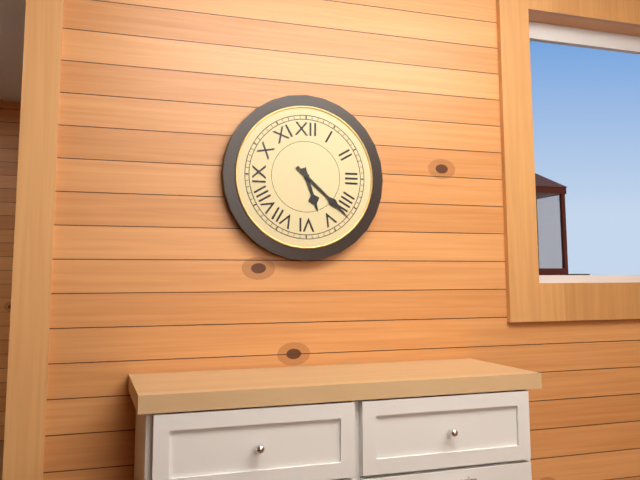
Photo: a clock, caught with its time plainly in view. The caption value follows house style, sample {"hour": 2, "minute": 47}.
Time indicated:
{"hour": 5, "minute": 22}
